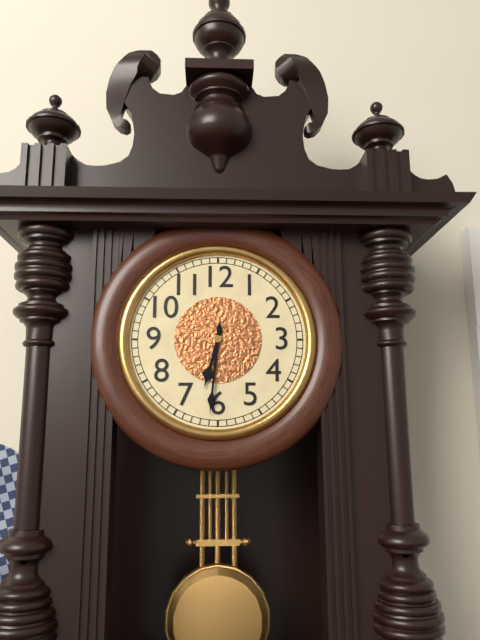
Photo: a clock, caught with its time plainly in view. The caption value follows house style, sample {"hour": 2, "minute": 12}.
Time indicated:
{"hour": 6, "minute": 31}
